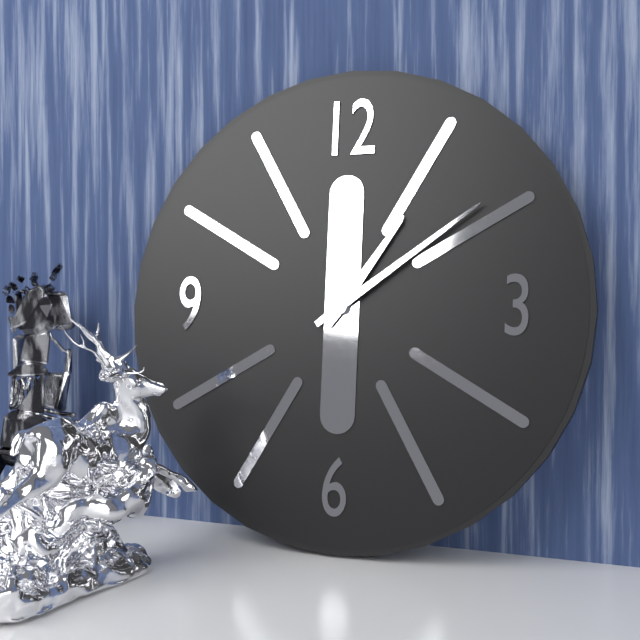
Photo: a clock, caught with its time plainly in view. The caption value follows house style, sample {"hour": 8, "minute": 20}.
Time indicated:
{"hour": 1, "minute": 9}
